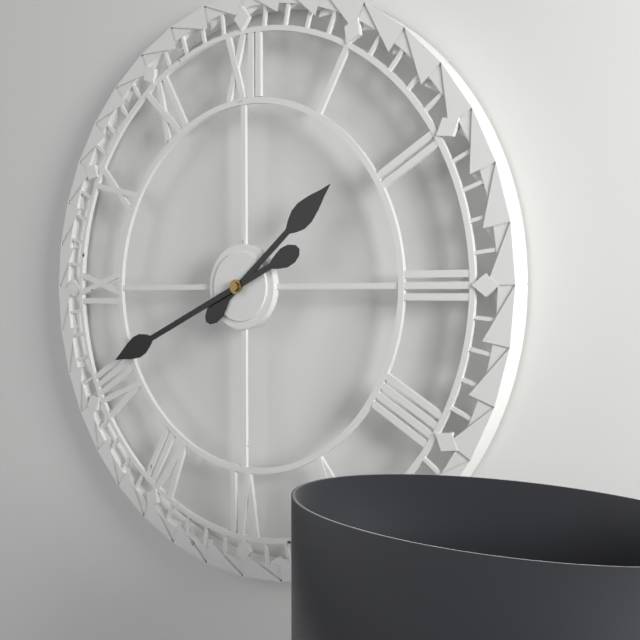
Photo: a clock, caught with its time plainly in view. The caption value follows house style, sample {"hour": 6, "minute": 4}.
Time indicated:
{"hour": 1, "minute": 41}
